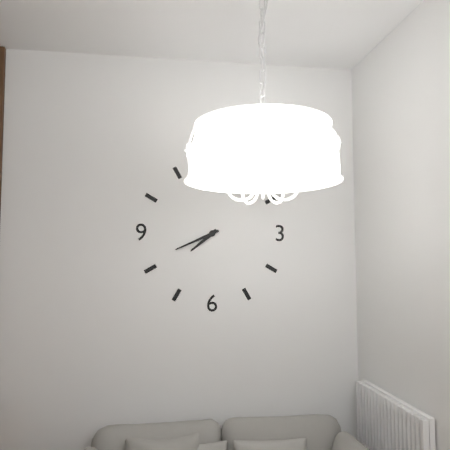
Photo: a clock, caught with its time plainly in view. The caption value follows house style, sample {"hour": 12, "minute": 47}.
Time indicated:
{"hour": 7, "minute": 41}
